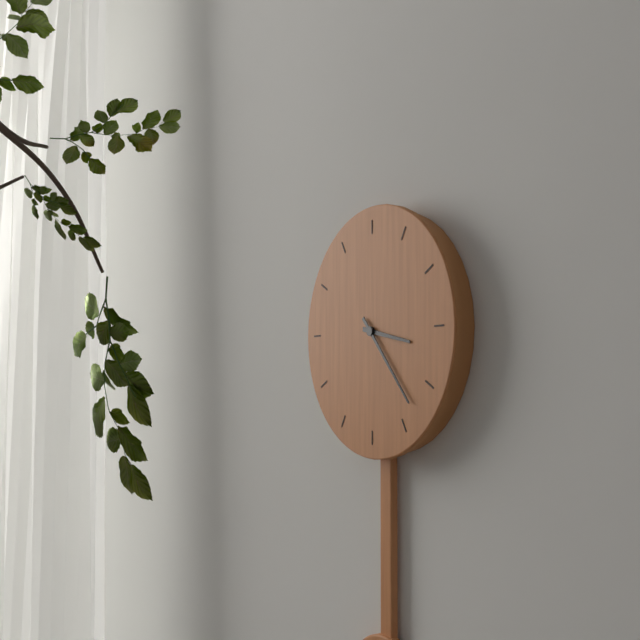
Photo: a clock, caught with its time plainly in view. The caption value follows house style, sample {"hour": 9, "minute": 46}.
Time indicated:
{"hour": 3, "minute": 23}
